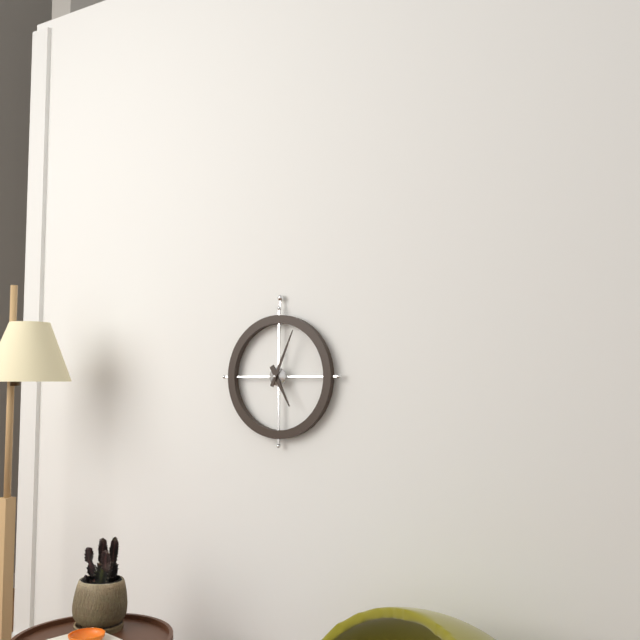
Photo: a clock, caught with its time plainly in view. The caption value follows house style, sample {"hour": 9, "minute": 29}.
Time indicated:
{"hour": 5, "minute": 4}
